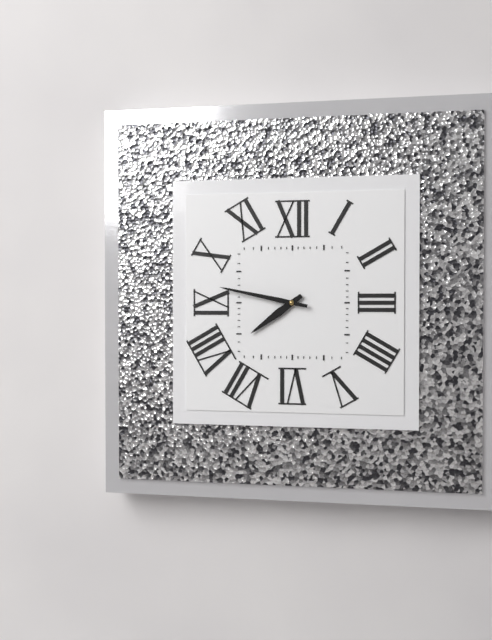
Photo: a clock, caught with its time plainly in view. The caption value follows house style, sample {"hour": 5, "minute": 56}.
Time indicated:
{"hour": 7, "minute": 47}
